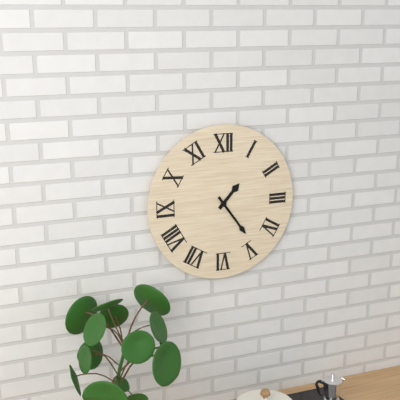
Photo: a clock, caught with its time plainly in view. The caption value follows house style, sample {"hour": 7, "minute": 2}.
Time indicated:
{"hour": 1, "minute": 24}
